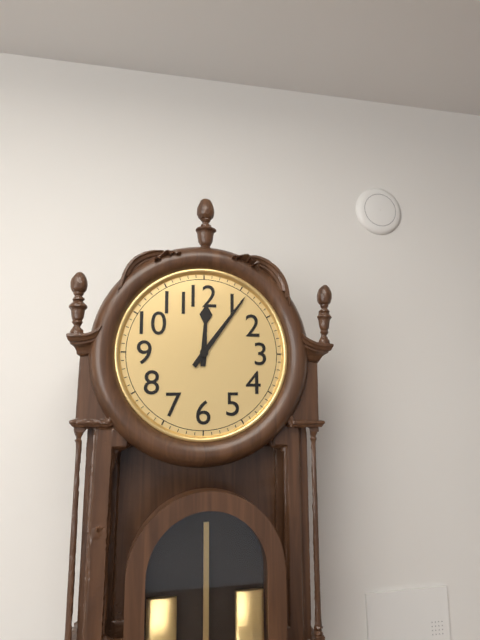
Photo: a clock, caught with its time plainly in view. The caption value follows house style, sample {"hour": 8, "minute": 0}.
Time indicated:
{"hour": 12, "minute": 6}
